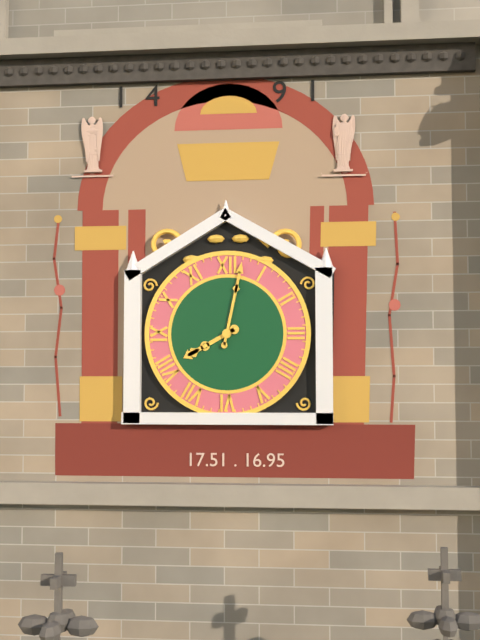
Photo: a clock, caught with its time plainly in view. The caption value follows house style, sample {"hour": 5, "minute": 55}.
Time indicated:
{"hour": 8, "minute": 2}
